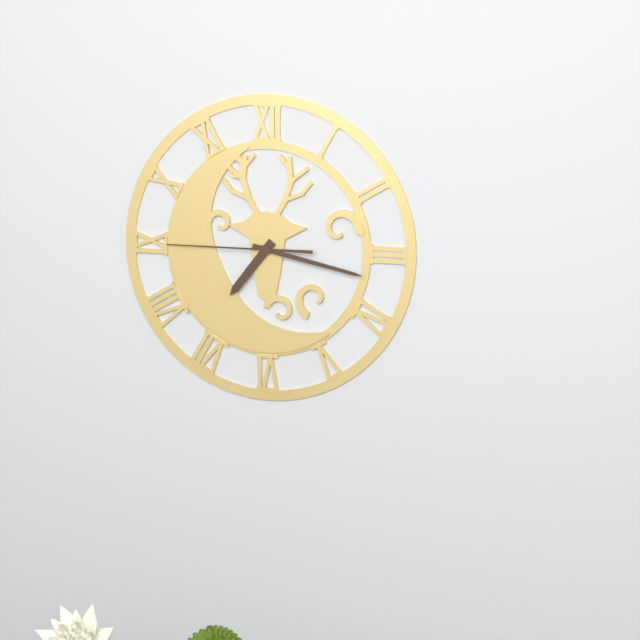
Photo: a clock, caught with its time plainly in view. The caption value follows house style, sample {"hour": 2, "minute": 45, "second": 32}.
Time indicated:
{"hour": 7, "minute": 17, "second": 45}
